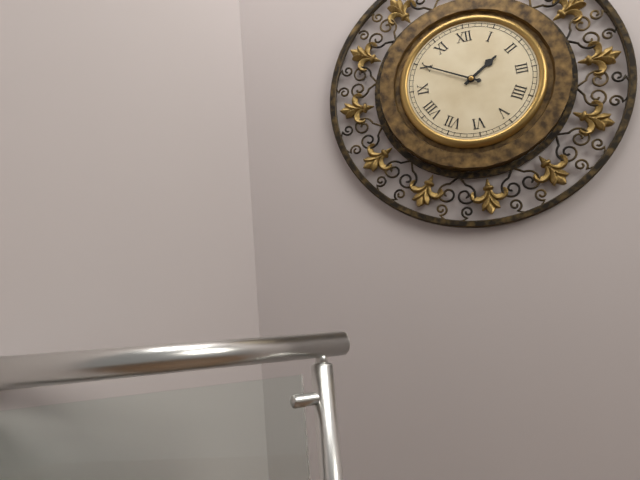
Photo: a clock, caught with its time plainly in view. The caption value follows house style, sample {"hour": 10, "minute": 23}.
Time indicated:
{"hour": 1, "minute": 50}
